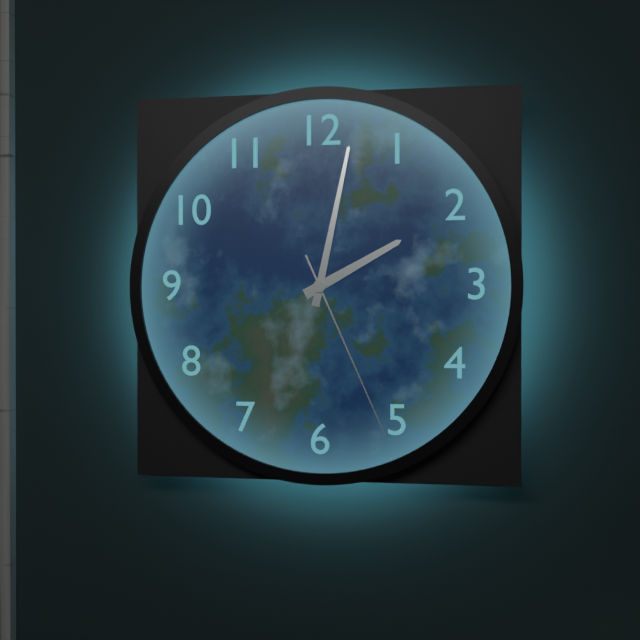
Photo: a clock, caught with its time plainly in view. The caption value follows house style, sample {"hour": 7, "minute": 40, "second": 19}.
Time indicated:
{"hour": 2, "minute": 2, "second": 26}
